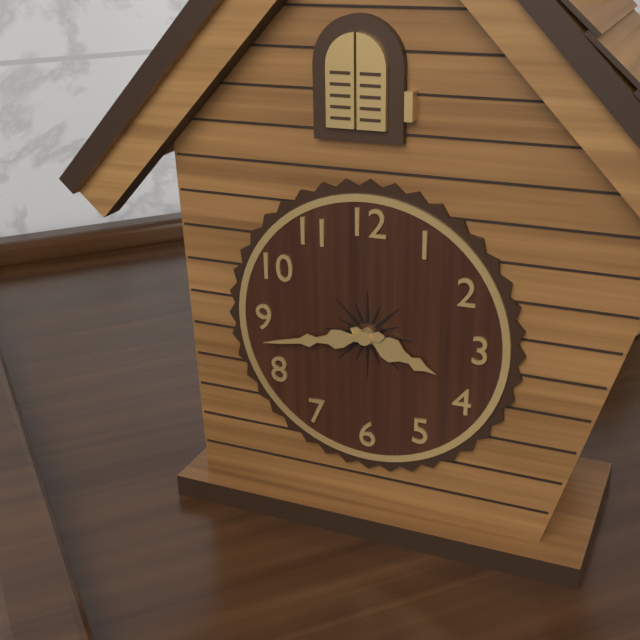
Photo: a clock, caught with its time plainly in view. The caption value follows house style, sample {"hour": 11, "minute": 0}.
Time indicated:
{"hour": 3, "minute": 43}
